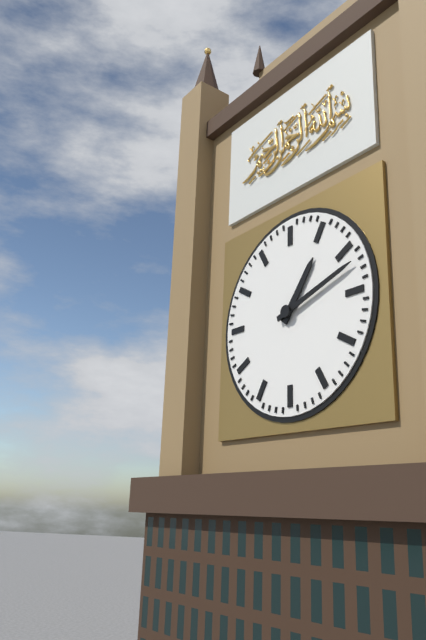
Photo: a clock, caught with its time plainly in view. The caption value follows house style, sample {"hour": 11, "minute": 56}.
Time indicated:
{"hour": 1, "minute": 12}
